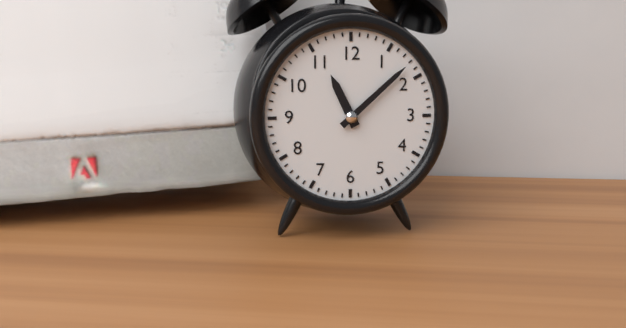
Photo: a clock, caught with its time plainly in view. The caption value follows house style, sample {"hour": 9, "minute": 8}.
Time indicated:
{"hour": 11, "minute": 8}
